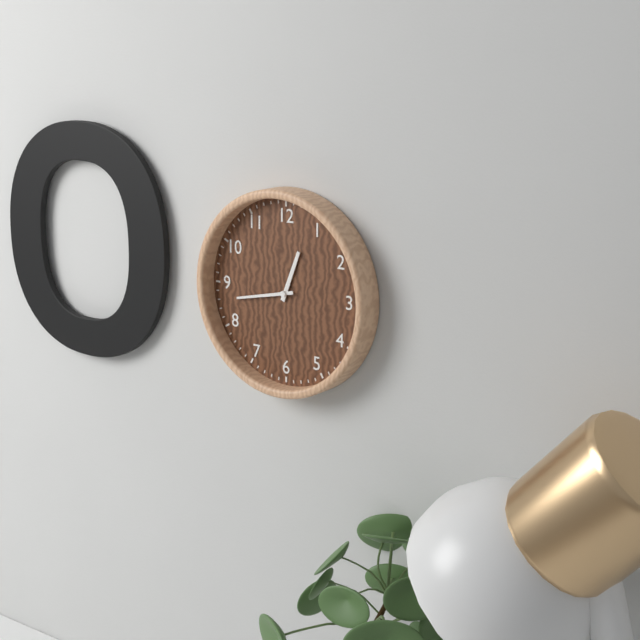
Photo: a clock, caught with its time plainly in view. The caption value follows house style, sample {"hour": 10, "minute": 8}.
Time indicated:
{"hour": 12, "minute": 43}
